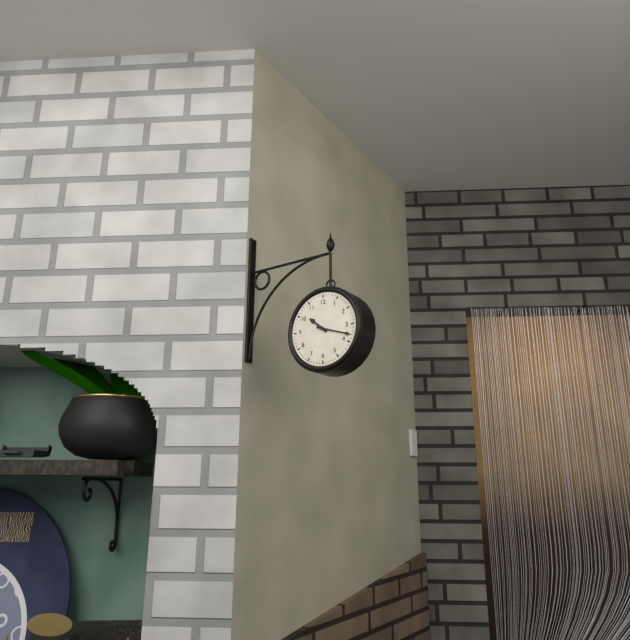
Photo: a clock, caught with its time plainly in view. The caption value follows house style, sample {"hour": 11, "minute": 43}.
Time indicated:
{"hour": 10, "minute": 18}
